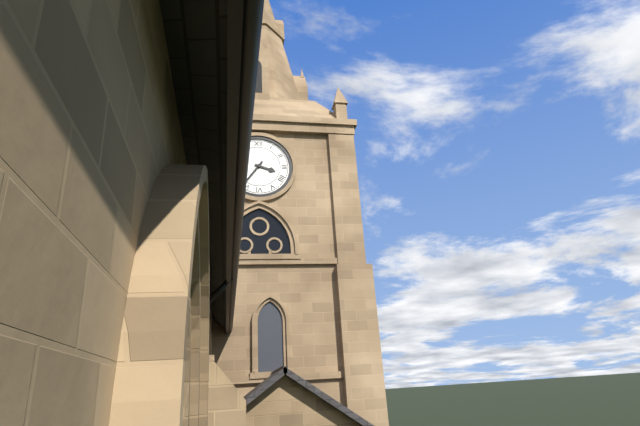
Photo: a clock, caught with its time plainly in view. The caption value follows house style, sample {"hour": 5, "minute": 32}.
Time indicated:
{"hour": 3, "minute": 36}
